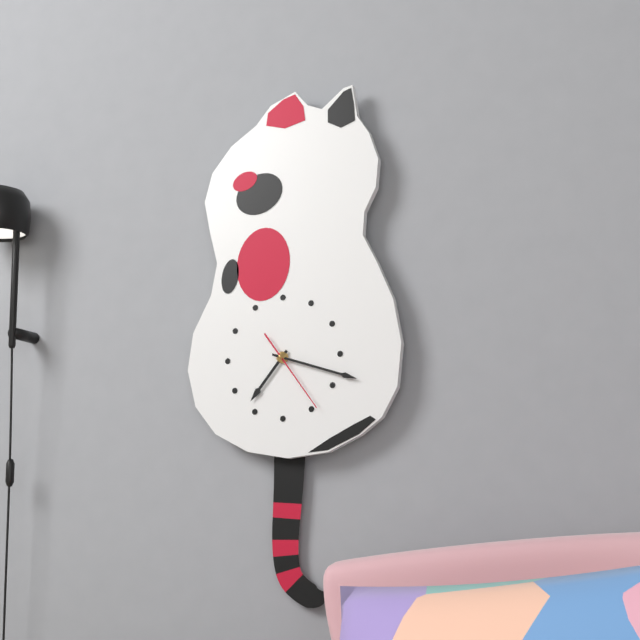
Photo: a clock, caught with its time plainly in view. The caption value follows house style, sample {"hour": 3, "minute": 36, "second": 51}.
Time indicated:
{"hour": 7, "minute": 18, "second": 24}
